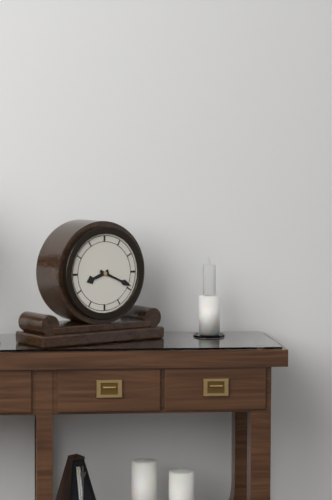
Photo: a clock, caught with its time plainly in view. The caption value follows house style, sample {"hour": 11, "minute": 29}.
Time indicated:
{"hour": 8, "minute": 19}
